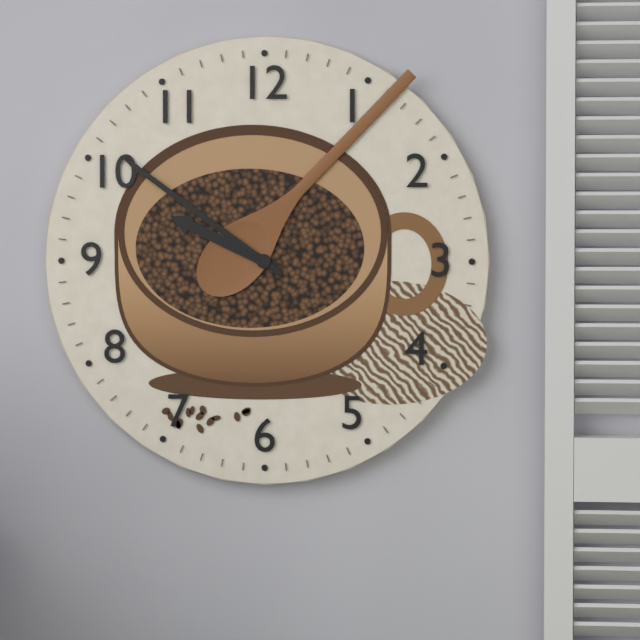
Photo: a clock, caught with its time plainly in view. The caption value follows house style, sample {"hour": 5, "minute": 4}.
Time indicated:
{"hour": 9, "minute": 51}
